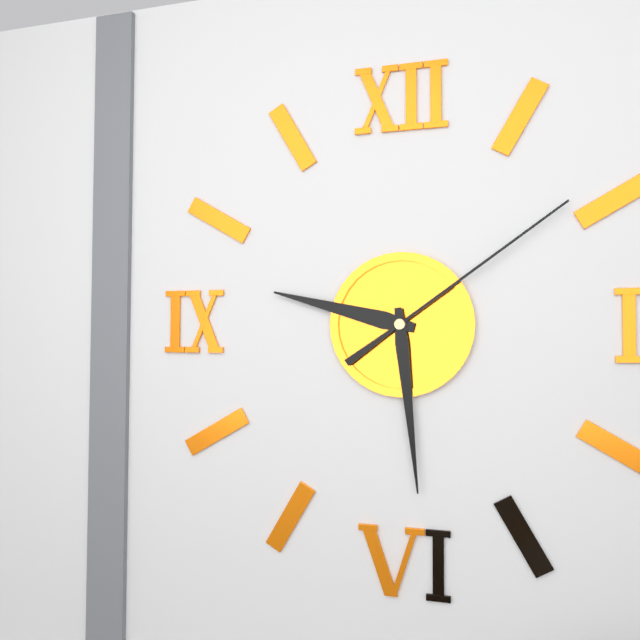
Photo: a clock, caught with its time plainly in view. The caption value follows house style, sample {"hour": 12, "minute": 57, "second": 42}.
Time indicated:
{"hour": 9, "minute": 29, "second": 9}
